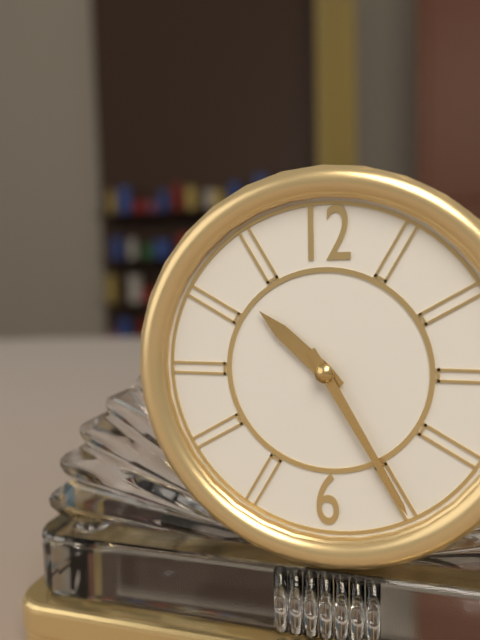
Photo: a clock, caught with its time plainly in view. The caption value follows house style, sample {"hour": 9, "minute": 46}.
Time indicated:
{"hour": 10, "minute": 25}
